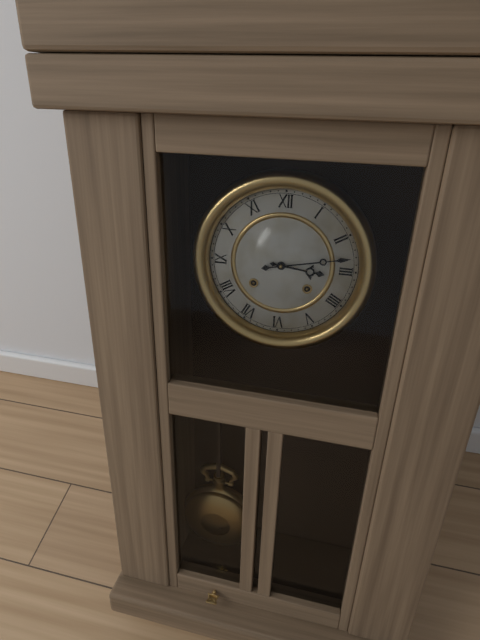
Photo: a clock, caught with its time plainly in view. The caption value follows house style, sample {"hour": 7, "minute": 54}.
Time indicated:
{"hour": 3, "minute": 13}
